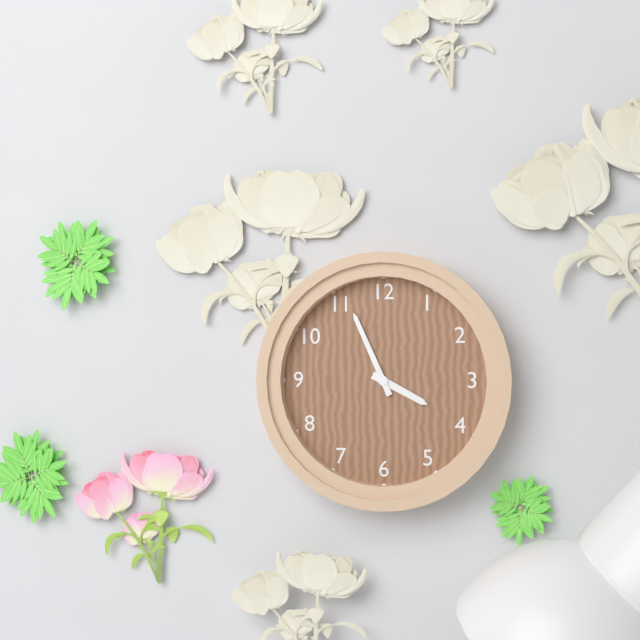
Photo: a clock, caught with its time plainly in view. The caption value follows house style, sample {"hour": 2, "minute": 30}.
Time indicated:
{"hour": 3, "minute": 56}
